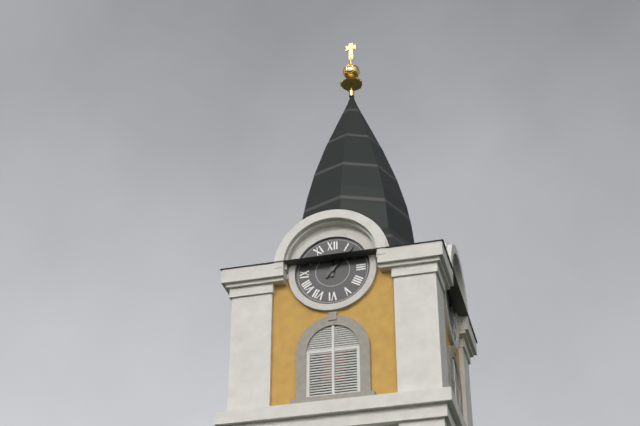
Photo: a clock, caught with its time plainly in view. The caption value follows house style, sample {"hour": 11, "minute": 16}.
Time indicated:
{"hour": 12, "minute": 7}
